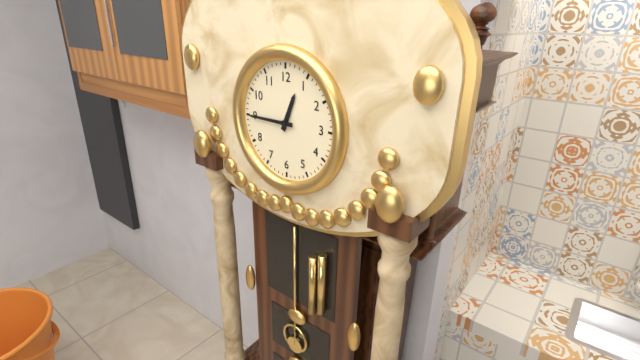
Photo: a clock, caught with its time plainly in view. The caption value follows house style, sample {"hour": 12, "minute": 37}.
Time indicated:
{"hour": 12, "minute": 45}
